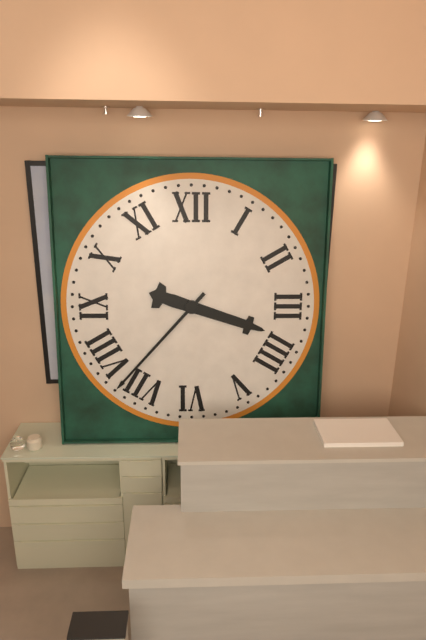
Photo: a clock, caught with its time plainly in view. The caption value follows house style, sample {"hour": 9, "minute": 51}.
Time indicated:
{"hour": 3, "minute": 37}
